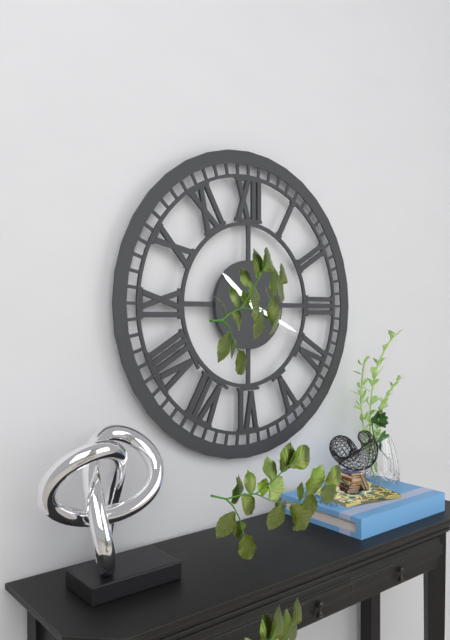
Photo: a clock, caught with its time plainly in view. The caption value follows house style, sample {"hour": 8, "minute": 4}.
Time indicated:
{"hour": 10, "minute": 19}
